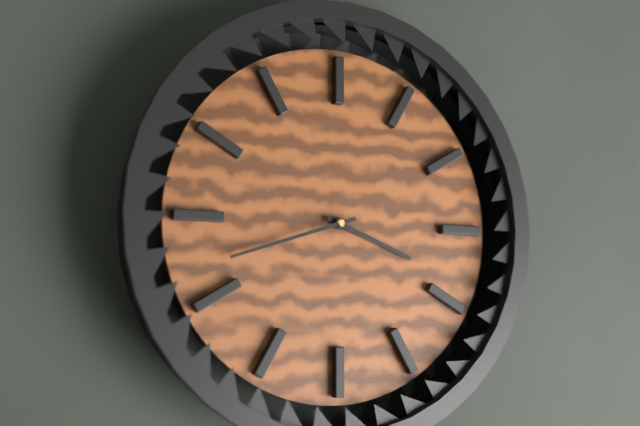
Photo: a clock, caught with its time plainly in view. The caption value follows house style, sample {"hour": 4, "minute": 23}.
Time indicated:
{"hour": 3, "minute": 42}
